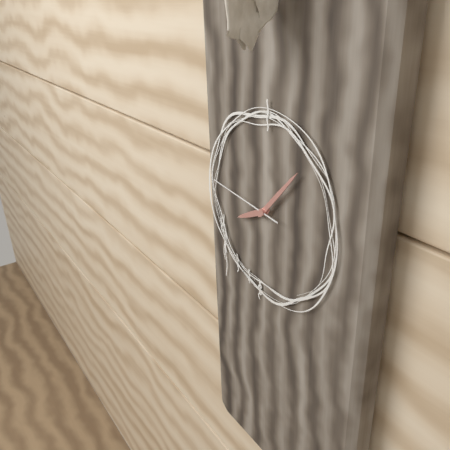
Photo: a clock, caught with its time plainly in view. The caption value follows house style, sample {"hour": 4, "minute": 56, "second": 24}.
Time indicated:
{"hour": 8, "minute": 7, "second": 46}
